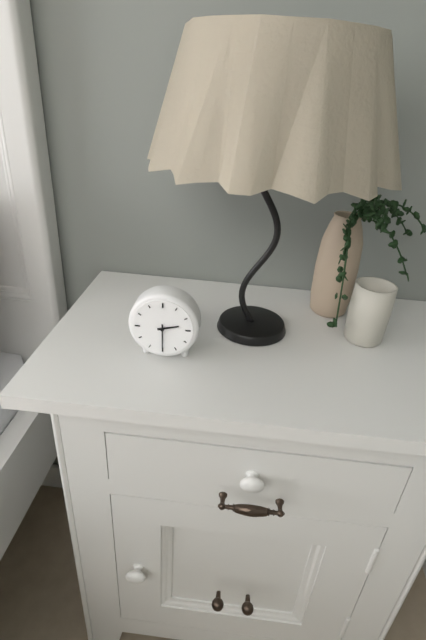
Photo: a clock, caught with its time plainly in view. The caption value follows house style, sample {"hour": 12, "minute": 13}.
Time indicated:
{"hour": 2, "minute": 30}
